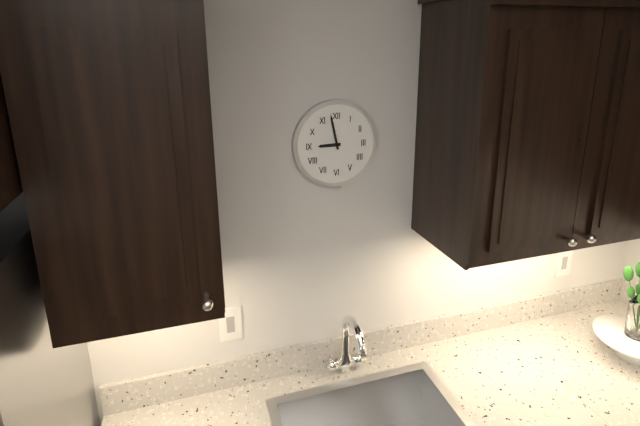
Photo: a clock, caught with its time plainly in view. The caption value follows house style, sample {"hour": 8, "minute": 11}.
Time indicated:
{"hour": 8, "minute": 58}
